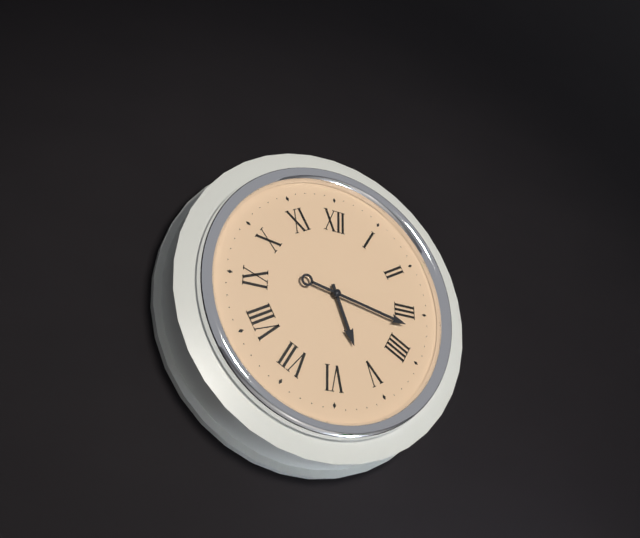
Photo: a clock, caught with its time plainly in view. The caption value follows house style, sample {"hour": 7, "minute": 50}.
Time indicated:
{"hour": 5, "minute": 17}
